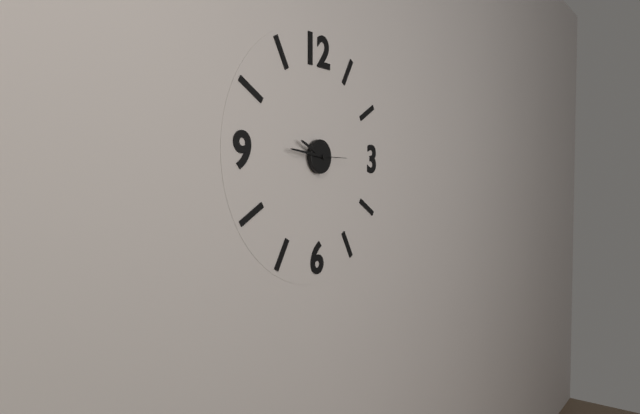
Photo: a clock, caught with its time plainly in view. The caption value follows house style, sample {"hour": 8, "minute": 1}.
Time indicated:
{"hour": 9, "minute": 46}
